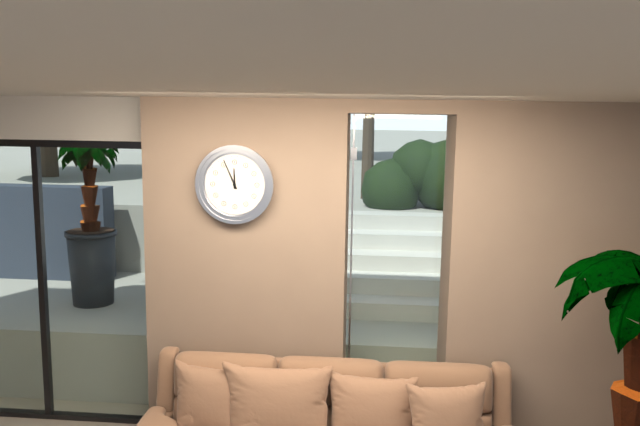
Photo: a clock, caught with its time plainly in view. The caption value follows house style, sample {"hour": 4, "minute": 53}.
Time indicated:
{"hour": 11, "minute": 56}
